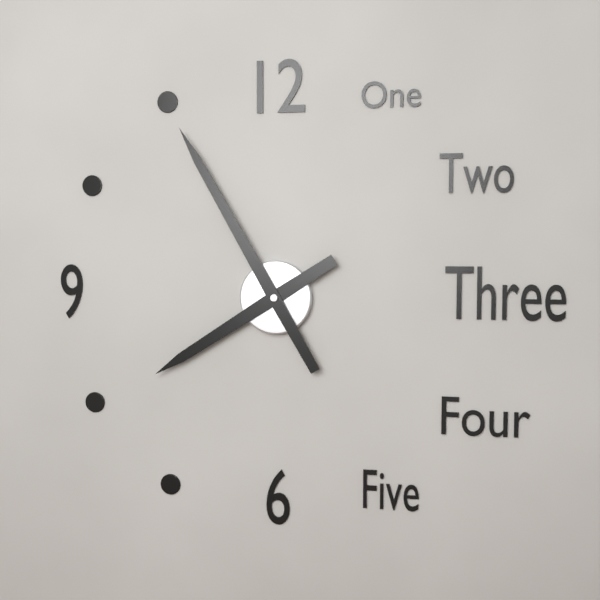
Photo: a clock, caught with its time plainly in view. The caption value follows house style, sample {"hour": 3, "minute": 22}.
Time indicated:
{"hour": 7, "minute": 55}
